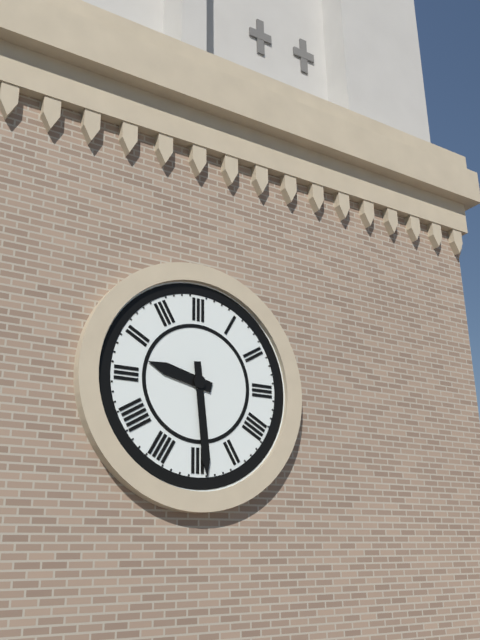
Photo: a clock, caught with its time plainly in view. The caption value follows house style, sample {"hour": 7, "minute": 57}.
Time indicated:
{"hour": 9, "minute": 29}
